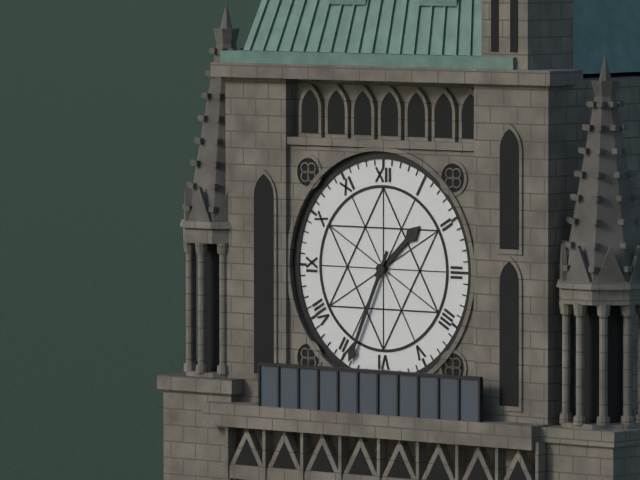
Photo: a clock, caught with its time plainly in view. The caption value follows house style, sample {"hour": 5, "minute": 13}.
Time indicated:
{"hour": 1, "minute": 34}
